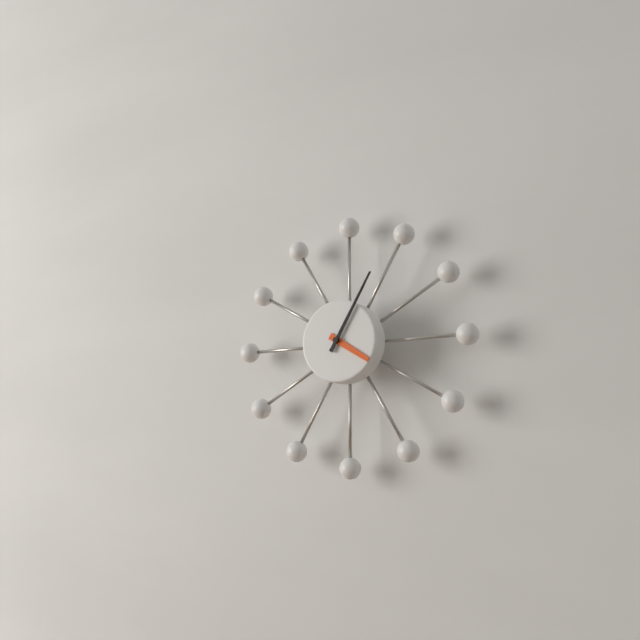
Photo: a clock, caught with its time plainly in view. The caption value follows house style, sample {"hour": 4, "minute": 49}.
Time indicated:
{"hour": 4, "minute": 5}
